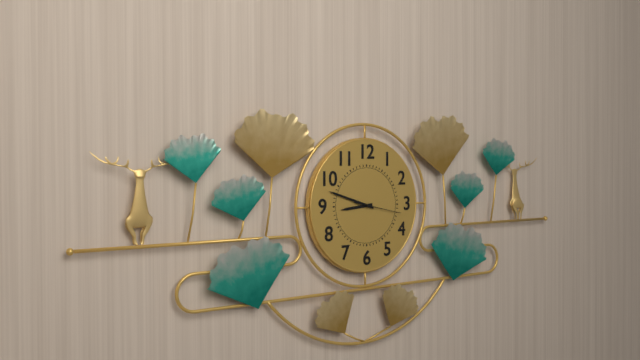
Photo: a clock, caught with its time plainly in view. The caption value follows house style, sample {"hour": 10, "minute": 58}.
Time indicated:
{"hour": 8, "minute": 48}
